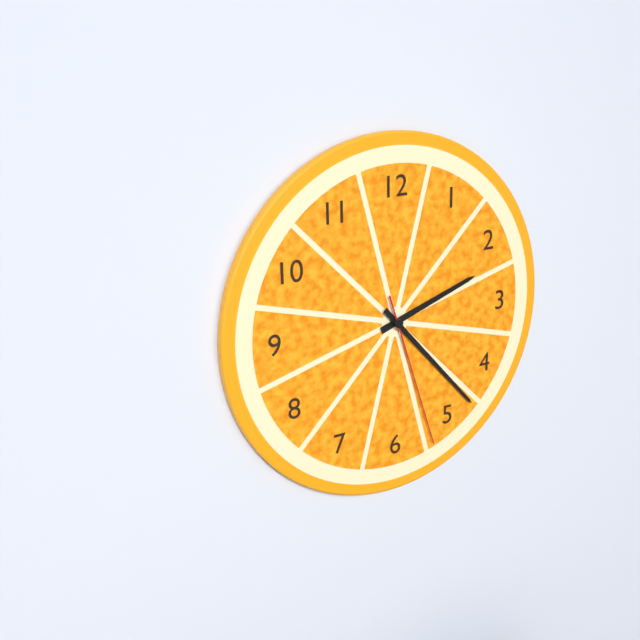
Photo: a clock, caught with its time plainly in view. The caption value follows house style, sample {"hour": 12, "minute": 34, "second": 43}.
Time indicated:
{"hour": 2, "minute": 23, "second": 27}
